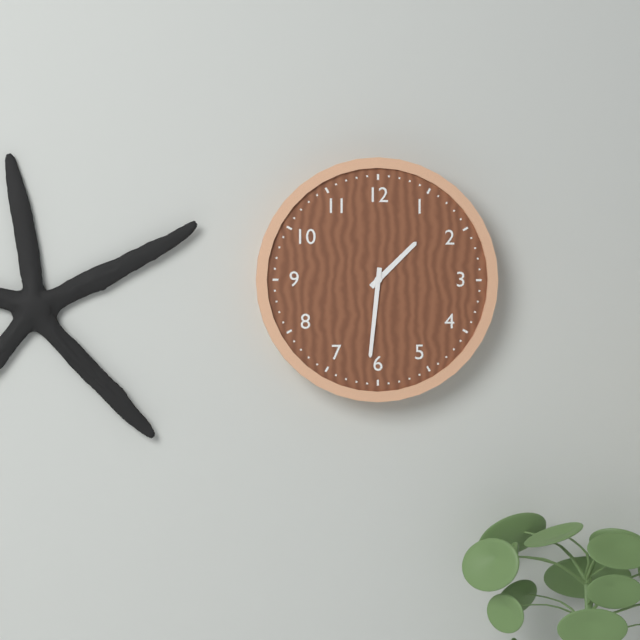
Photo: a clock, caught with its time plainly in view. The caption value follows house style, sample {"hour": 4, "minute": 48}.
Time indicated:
{"hour": 1, "minute": 31}
